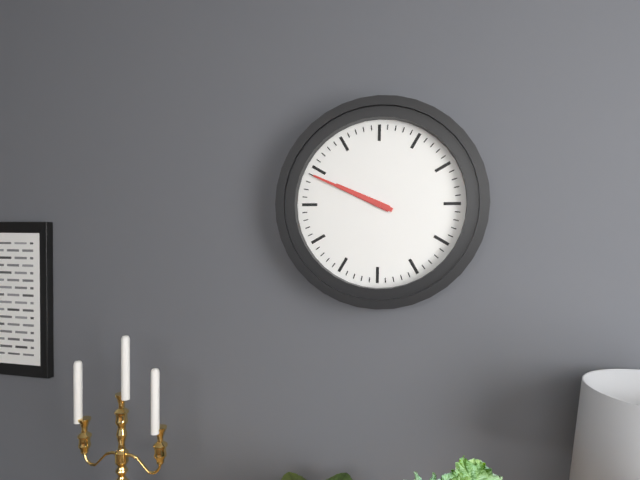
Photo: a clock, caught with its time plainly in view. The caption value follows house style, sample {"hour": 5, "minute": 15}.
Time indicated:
{"hour": 9, "minute": 49}
